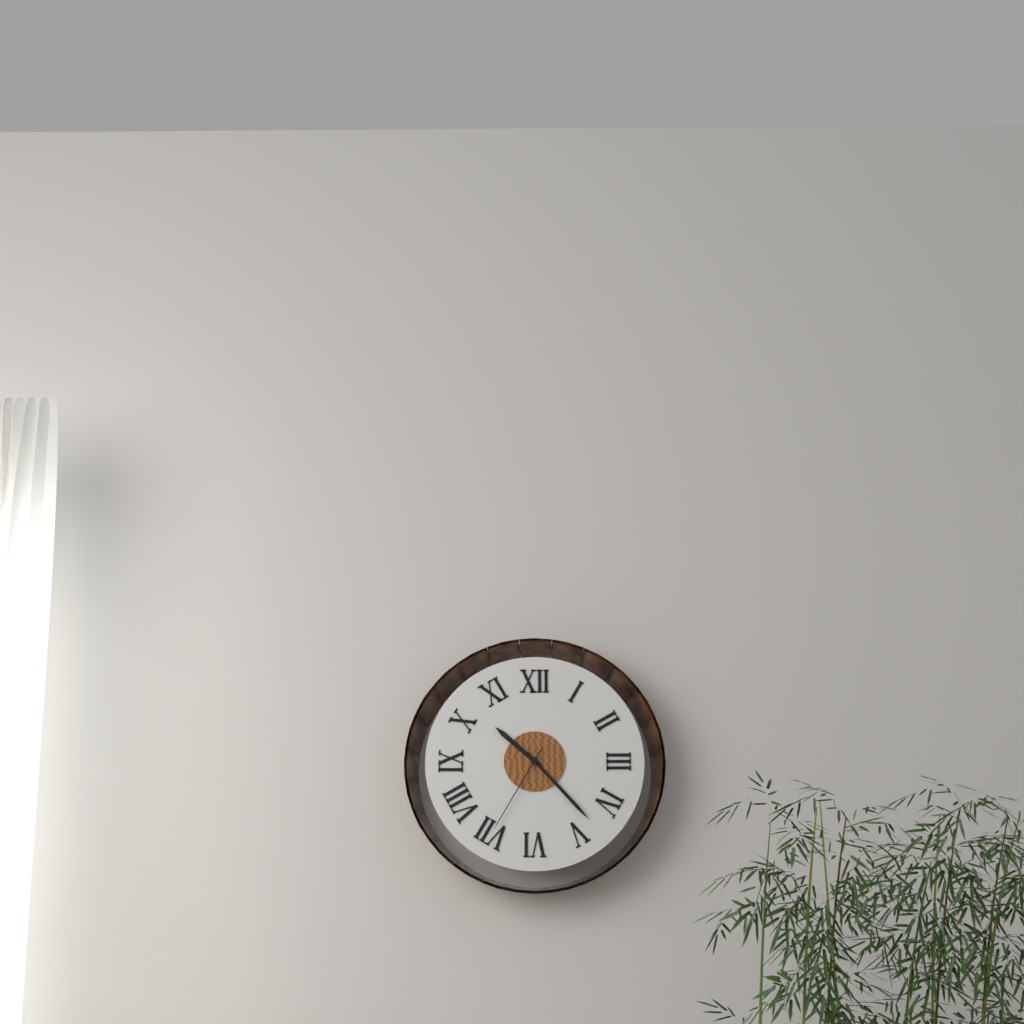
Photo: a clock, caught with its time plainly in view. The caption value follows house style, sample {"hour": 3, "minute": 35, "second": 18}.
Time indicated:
{"hour": 10, "minute": 23, "second": 35}
